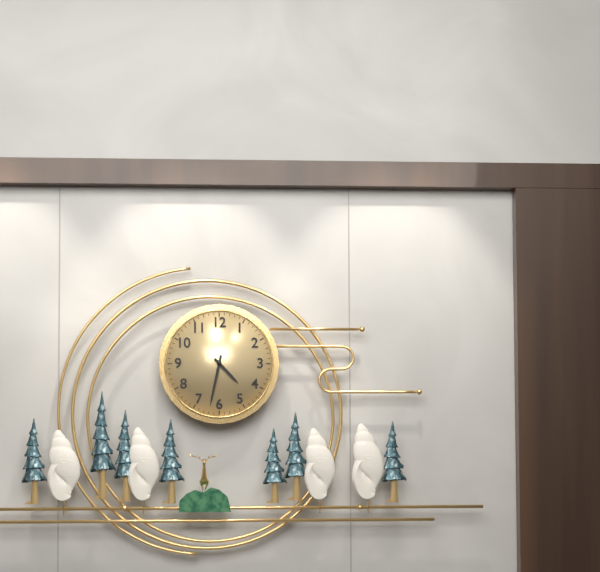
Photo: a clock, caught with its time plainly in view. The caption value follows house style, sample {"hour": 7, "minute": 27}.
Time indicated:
{"hour": 4, "minute": 32}
